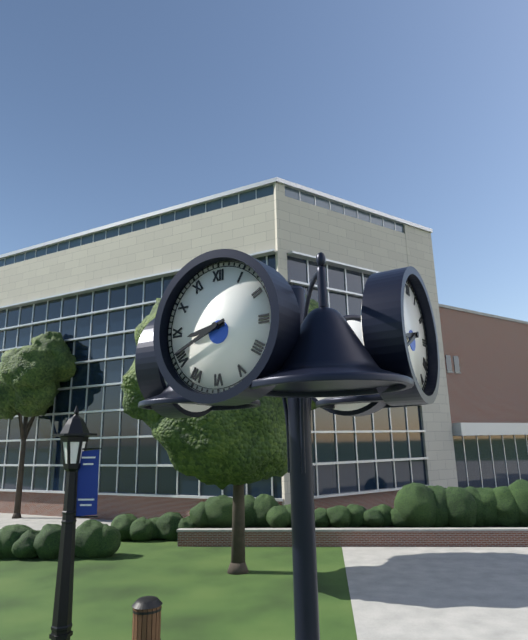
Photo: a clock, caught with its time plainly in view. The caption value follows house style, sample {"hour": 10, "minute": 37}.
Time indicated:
{"hour": 8, "minute": 41}
